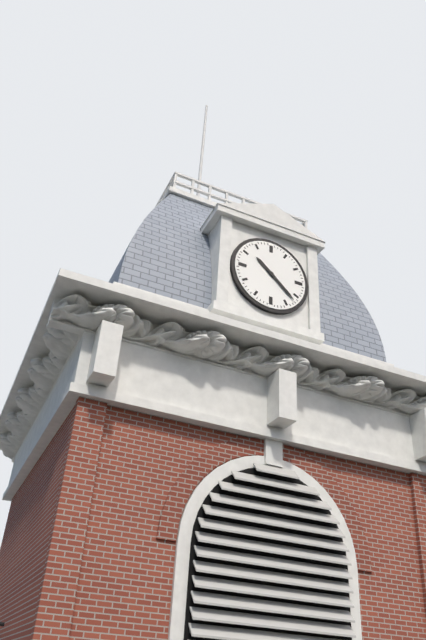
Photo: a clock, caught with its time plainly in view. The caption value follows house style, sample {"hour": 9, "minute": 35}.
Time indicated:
{"hour": 10, "minute": 22}
